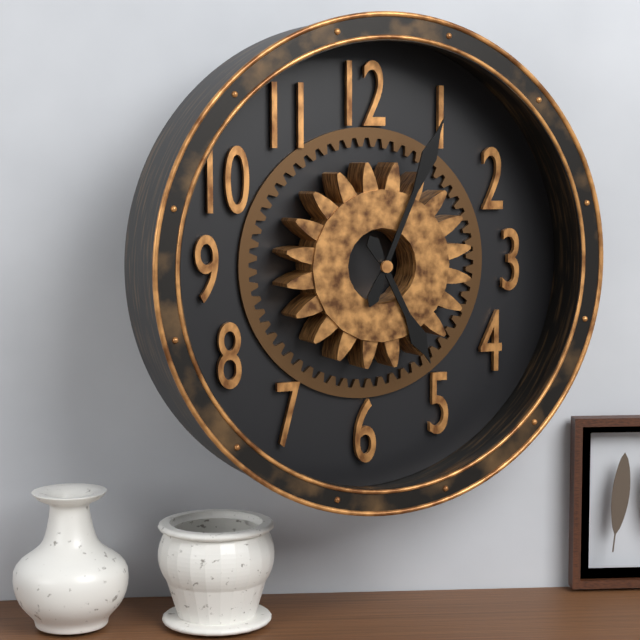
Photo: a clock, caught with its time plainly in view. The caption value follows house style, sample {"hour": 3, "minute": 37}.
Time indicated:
{"hour": 5, "minute": 4}
